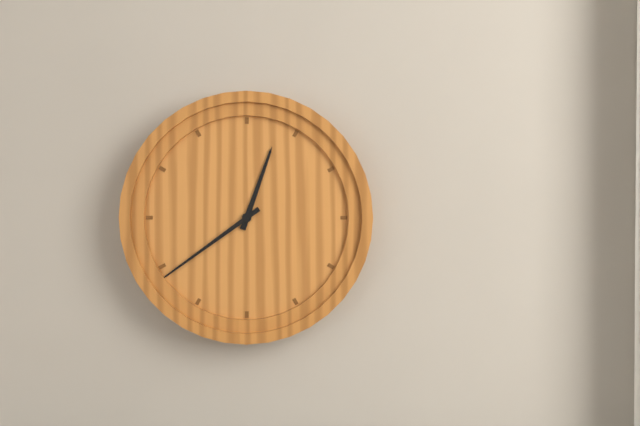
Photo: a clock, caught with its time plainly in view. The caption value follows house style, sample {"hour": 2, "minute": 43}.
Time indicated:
{"hour": 12, "minute": 39}
